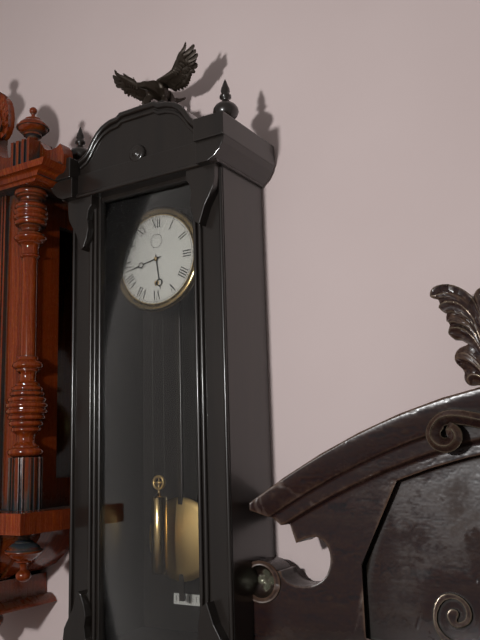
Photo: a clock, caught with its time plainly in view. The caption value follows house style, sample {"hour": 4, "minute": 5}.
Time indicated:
{"hour": 5, "minute": 43}
